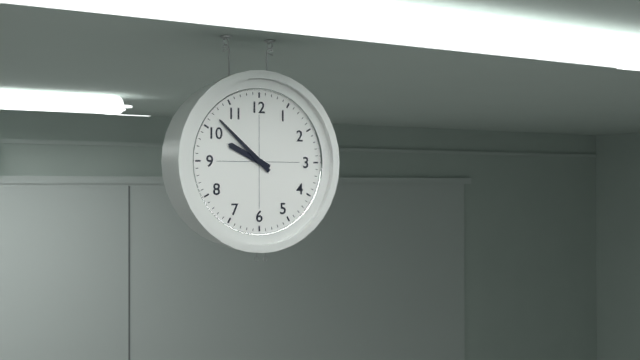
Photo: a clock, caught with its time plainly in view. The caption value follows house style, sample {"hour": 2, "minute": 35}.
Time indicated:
{"hour": 9, "minute": 52}
